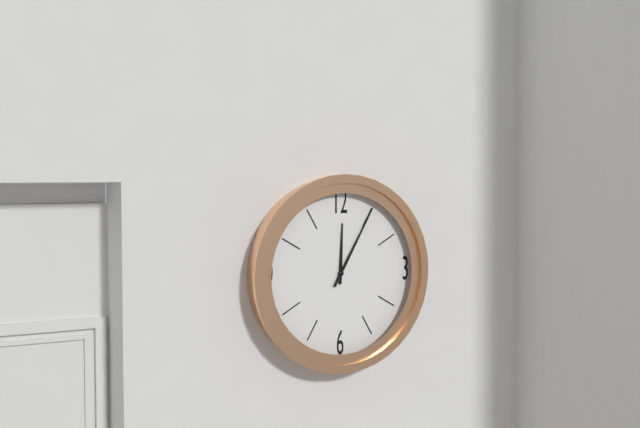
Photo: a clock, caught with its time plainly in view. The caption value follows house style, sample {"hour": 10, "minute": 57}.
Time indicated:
{"hour": 12, "minute": 5}
